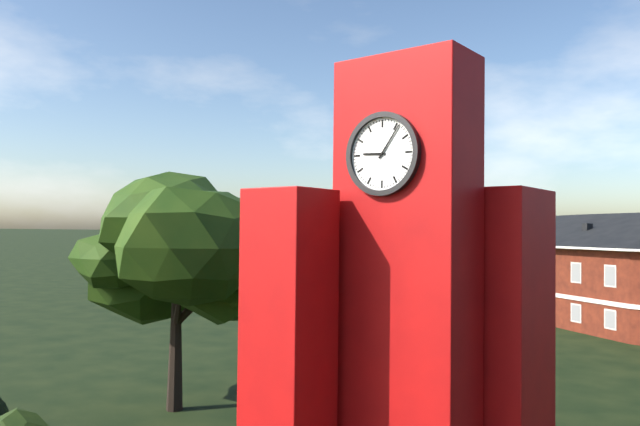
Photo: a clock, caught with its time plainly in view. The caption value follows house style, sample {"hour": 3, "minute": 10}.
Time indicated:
{"hour": 9, "minute": 6}
